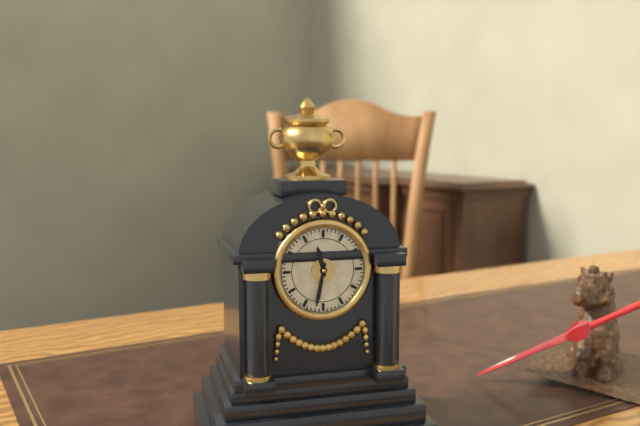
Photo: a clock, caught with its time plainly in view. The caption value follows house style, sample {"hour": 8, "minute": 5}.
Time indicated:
{"hour": 11, "minute": 32}
